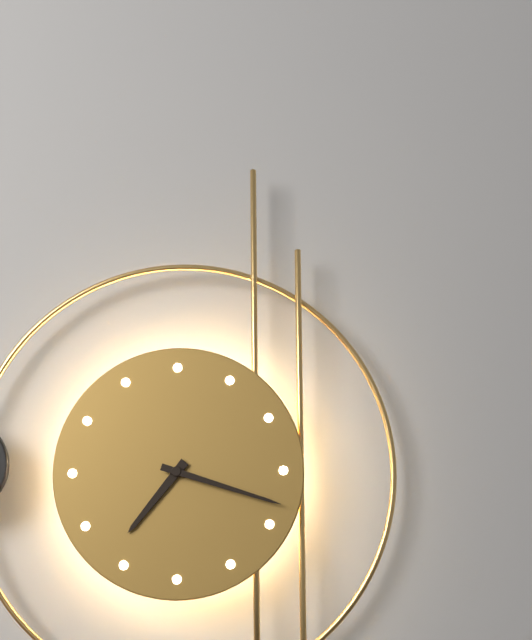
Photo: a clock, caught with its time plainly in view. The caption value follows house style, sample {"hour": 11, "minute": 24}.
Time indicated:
{"hour": 7, "minute": 18}
